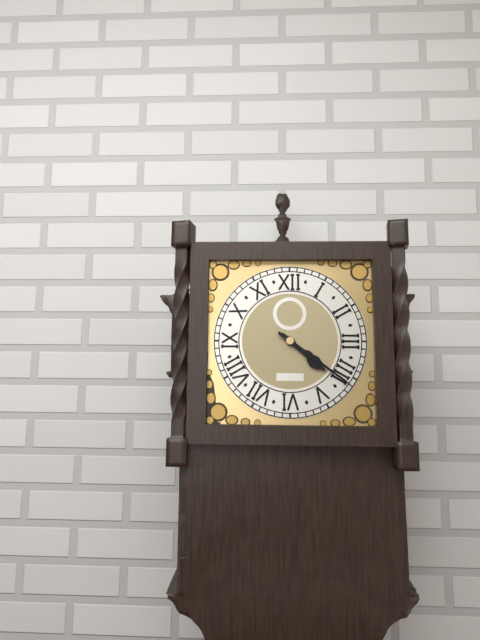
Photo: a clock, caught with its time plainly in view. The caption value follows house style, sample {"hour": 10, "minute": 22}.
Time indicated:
{"hour": 4, "minute": 21}
